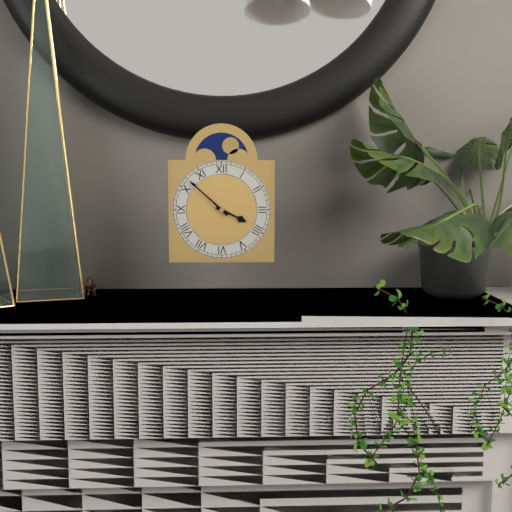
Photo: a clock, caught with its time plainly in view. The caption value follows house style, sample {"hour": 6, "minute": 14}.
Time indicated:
{"hour": 3, "minute": 52}
